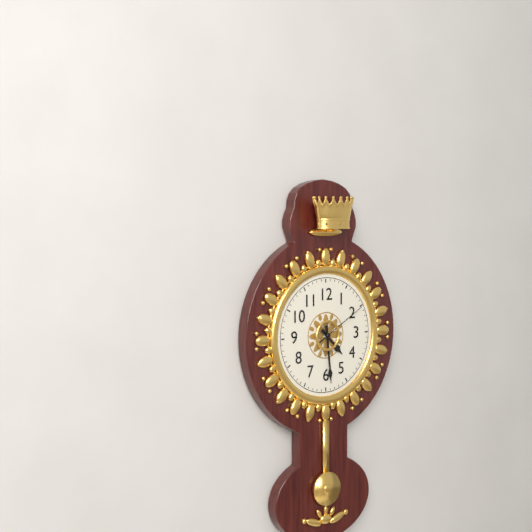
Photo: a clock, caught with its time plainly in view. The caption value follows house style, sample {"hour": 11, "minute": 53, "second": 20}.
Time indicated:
{"hour": 4, "minute": 29, "second": 10}
